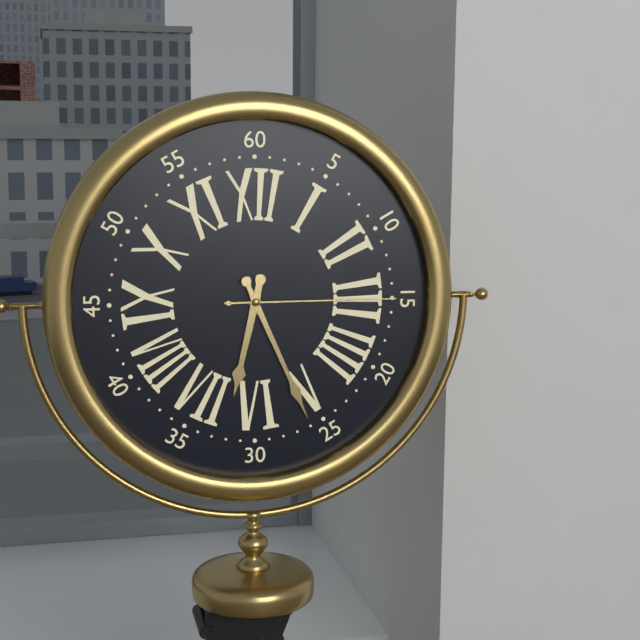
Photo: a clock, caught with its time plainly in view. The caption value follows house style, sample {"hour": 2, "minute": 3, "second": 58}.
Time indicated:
{"hour": 6, "minute": 26, "second": 15}
